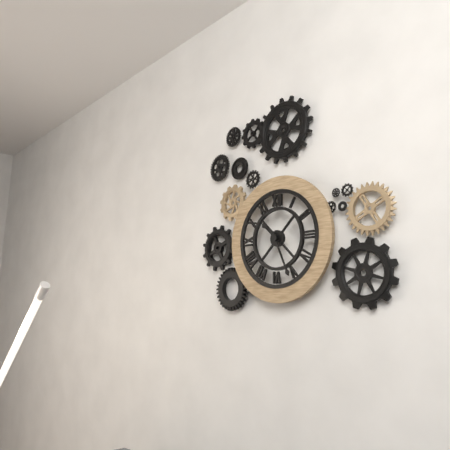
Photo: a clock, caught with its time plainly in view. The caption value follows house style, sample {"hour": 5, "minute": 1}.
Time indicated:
{"hour": 10, "minute": 26}
